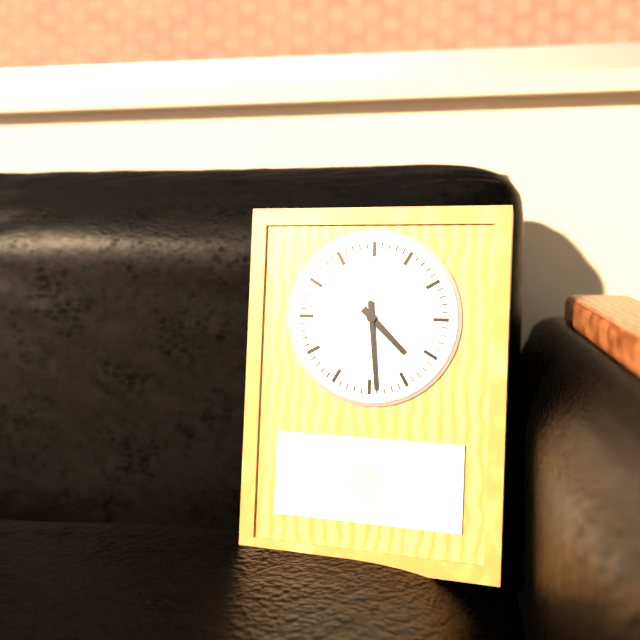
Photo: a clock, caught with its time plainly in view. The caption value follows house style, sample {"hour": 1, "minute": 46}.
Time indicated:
{"hour": 4, "minute": 29}
